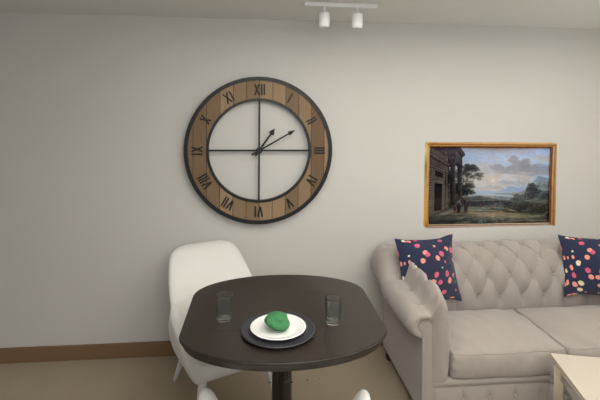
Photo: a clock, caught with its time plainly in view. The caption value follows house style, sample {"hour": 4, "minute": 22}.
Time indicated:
{"hour": 1, "minute": 10}
